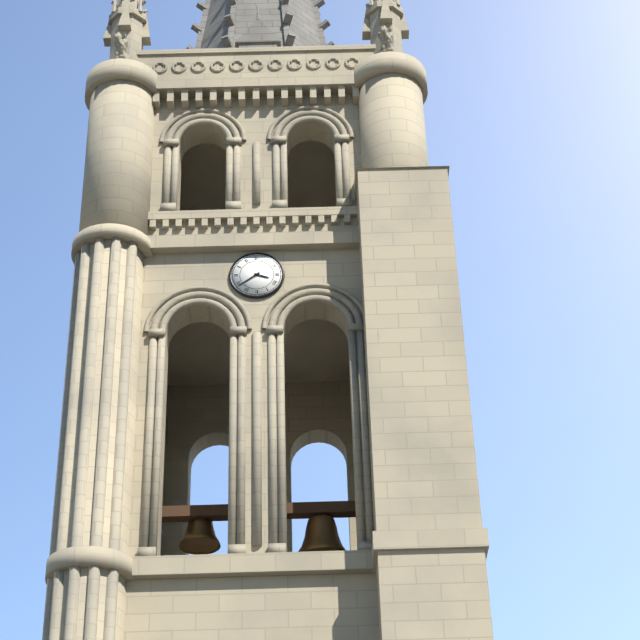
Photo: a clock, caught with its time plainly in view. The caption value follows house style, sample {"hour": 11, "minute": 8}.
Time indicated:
{"hour": 3, "minute": 39}
